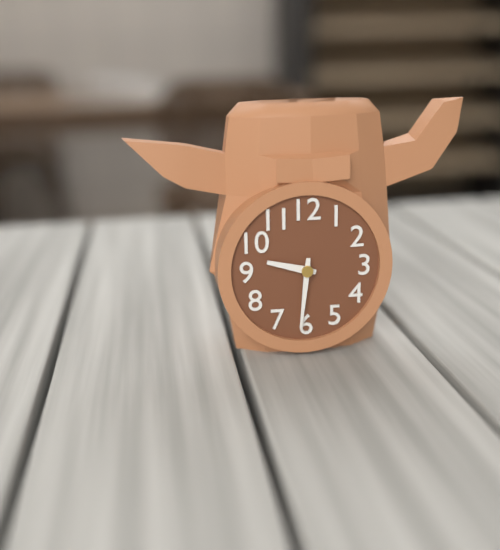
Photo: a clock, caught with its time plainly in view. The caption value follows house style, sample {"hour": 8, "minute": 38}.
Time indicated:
{"hour": 9, "minute": 31}
